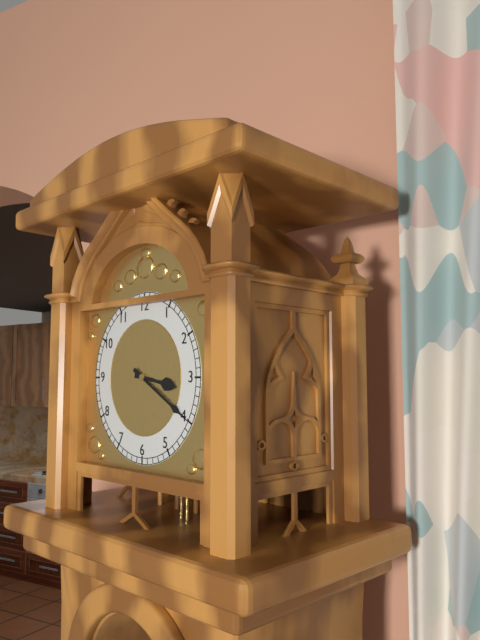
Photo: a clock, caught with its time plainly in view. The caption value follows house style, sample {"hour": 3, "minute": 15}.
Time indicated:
{"hour": 3, "minute": 20}
